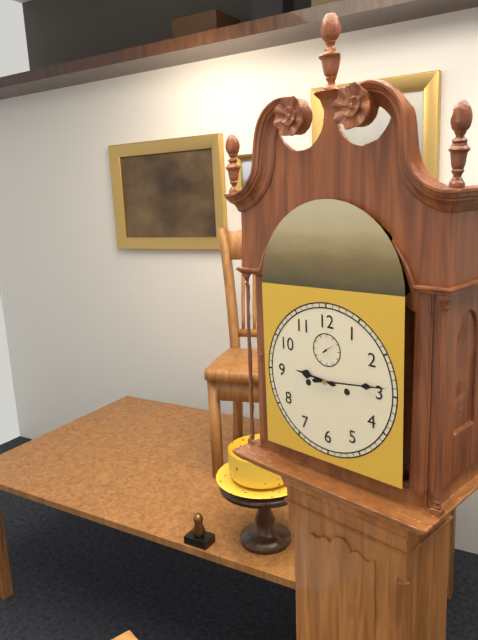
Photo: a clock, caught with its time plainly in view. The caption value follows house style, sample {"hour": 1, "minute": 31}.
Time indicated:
{"hour": 9, "minute": 14}
